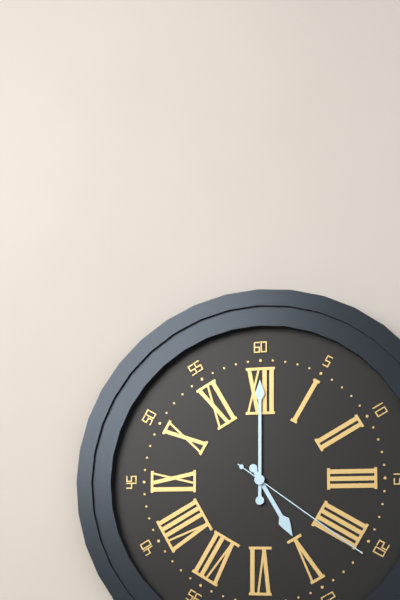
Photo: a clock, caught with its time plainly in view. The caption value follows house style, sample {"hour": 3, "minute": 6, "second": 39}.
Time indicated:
{"hour": 5, "minute": 0, "second": 21}
